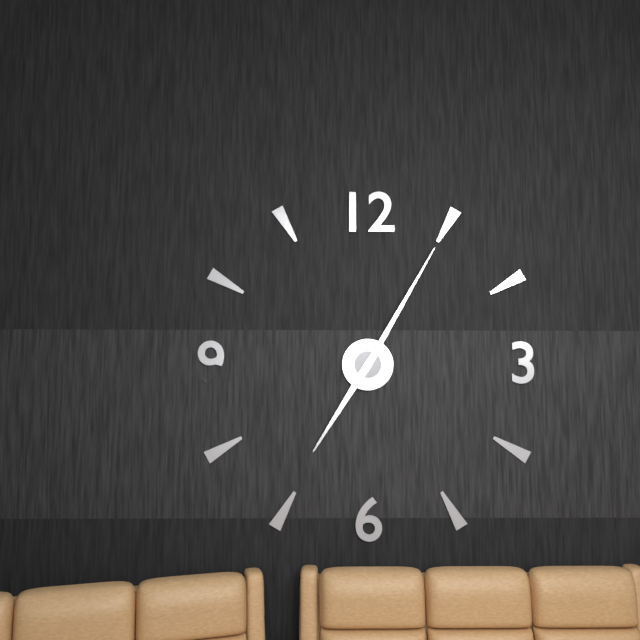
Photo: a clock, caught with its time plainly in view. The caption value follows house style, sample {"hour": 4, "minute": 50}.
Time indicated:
{"hour": 7, "minute": 5}
